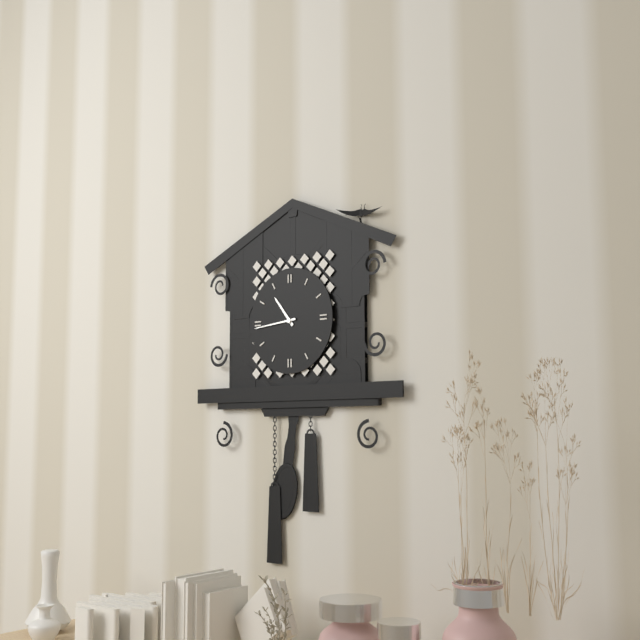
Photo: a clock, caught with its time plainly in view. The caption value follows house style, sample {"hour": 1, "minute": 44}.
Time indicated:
{"hour": 10, "minute": 44}
